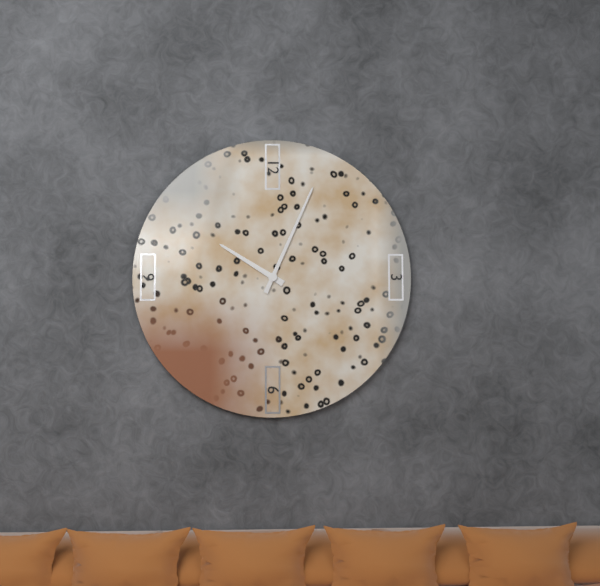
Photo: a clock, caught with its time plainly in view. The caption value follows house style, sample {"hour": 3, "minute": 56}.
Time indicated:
{"hour": 10, "minute": 4}
